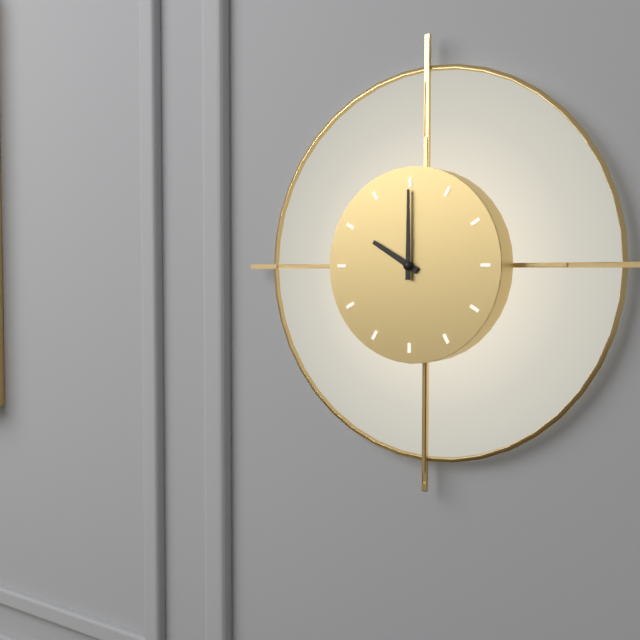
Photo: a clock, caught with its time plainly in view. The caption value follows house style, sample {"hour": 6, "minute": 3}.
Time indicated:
{"hour": 10, "minute": 0}
